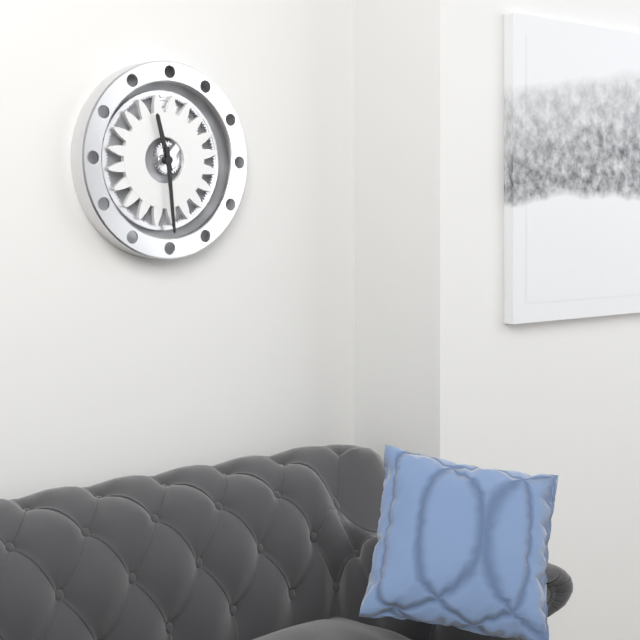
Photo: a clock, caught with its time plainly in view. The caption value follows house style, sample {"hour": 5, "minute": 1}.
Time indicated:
{"hour": 11, "minute": 29}
